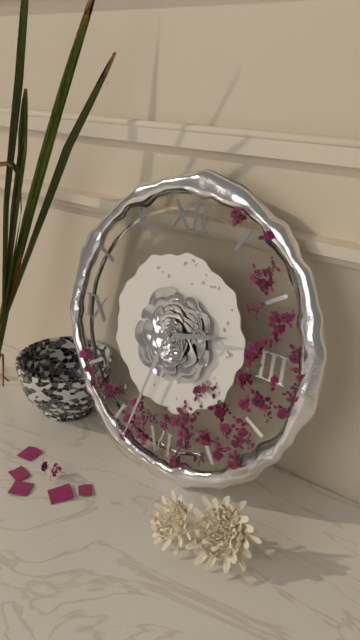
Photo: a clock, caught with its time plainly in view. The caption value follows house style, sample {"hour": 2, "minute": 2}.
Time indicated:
{"hour": 2, "minute": 33}
